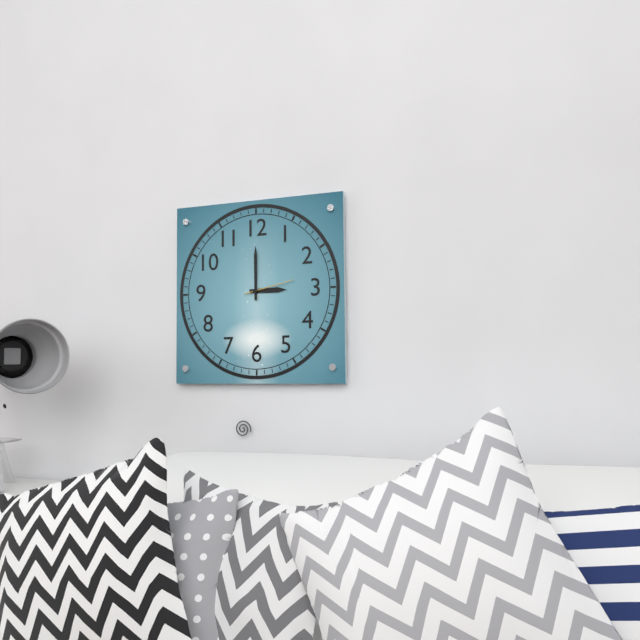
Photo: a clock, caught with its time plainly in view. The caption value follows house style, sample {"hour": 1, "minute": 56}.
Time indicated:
{"hour": 3, "minute": 0}
